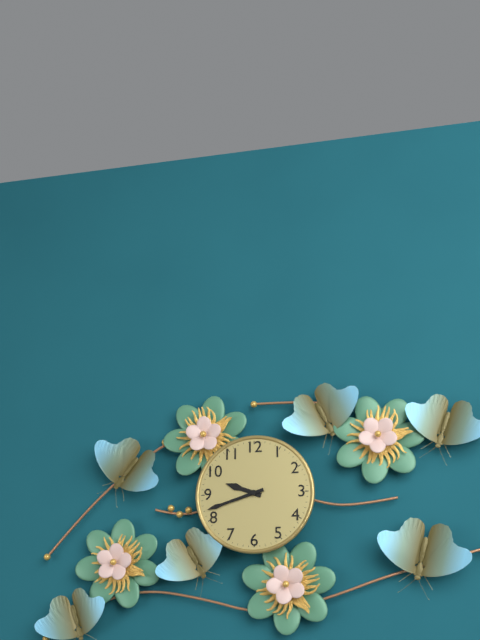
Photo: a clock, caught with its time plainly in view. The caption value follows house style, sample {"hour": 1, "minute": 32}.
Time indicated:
{"hour": 9, "minute": 42}
